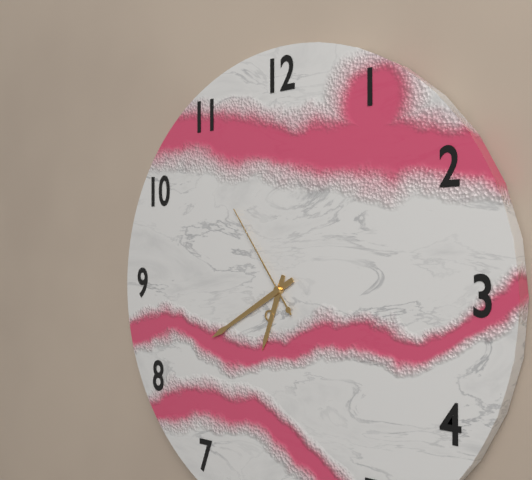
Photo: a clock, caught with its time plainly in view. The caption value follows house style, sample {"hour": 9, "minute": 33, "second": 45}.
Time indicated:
{"hour": 6, "minute": 40, "second": 54}
